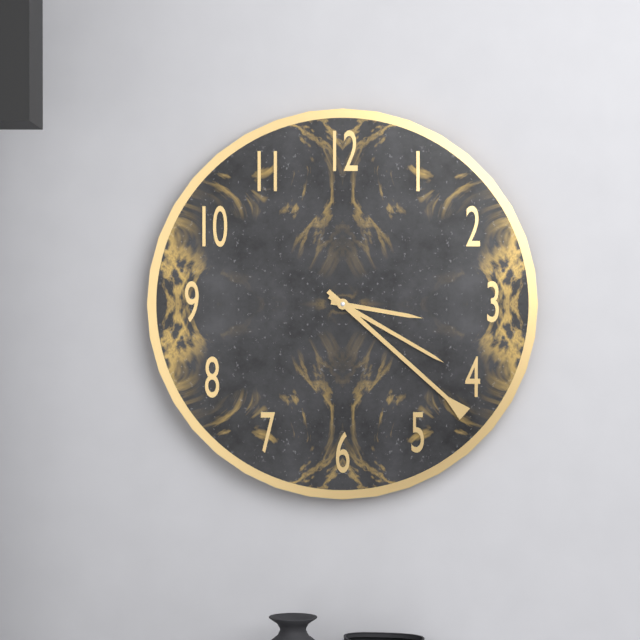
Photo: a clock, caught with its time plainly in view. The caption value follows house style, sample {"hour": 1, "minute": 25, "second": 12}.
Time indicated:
{"hour": 3, "minute": 20, "second": 22}
